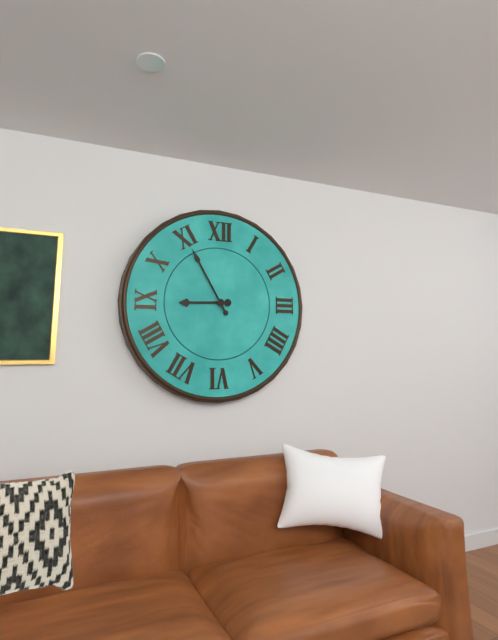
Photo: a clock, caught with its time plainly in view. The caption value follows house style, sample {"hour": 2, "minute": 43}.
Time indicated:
{"hour": 8, "minute": 55}
